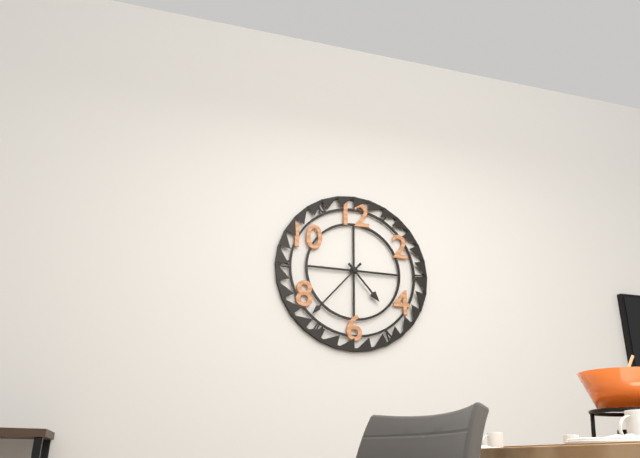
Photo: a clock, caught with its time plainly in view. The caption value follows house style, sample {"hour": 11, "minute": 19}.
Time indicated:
{"hour": 4, "minute": 37}
